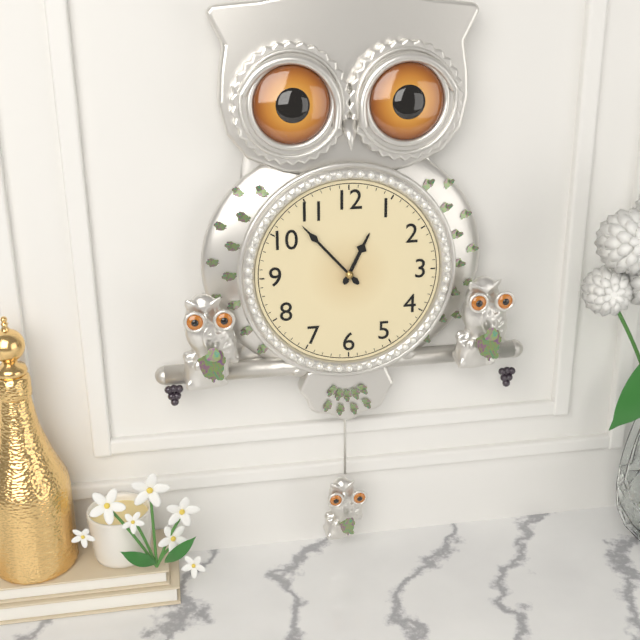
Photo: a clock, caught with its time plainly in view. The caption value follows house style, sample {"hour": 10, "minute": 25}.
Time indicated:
{"hour": 12, "minute": 53}
